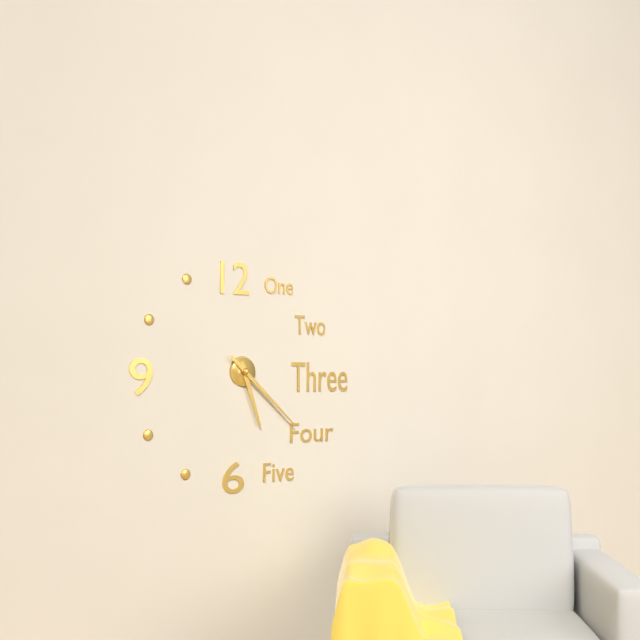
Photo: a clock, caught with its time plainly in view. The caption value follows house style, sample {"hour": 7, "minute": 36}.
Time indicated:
{"hour": 5, "minute": 22}
